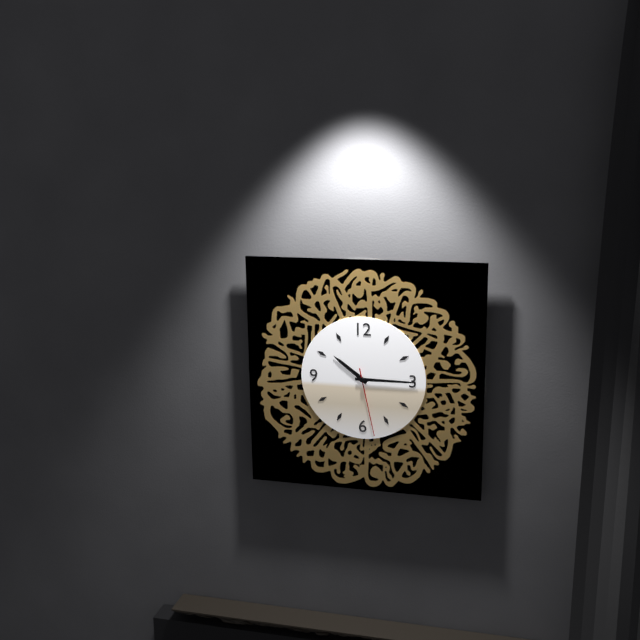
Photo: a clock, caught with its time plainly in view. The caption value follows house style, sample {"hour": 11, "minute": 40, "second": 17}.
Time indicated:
{"hour": 10, "minute": 15, "second": 28}
